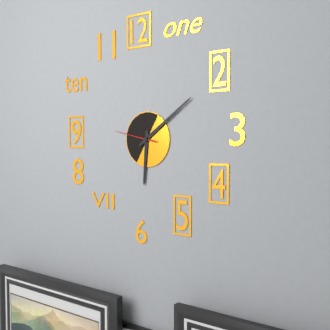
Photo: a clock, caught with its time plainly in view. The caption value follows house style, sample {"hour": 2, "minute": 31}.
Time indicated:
{"hour": 6, "minute": 9}
